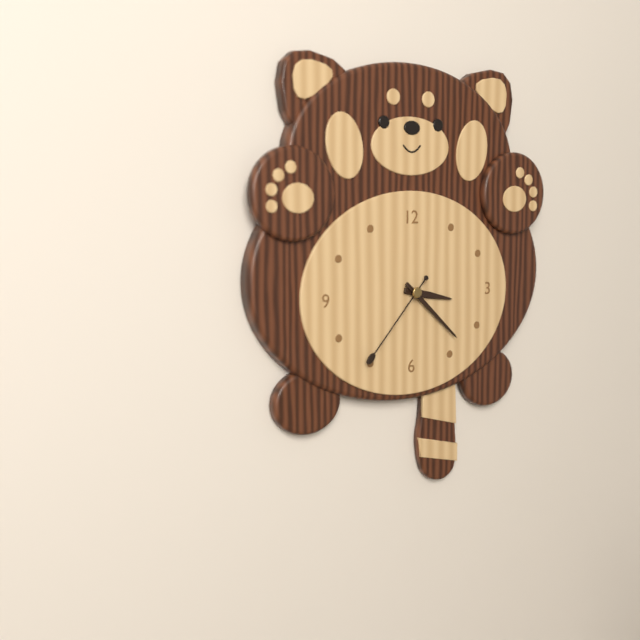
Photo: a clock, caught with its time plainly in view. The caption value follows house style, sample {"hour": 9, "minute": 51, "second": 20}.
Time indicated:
{"hour": 3, "minute": 22, "second": 37}
